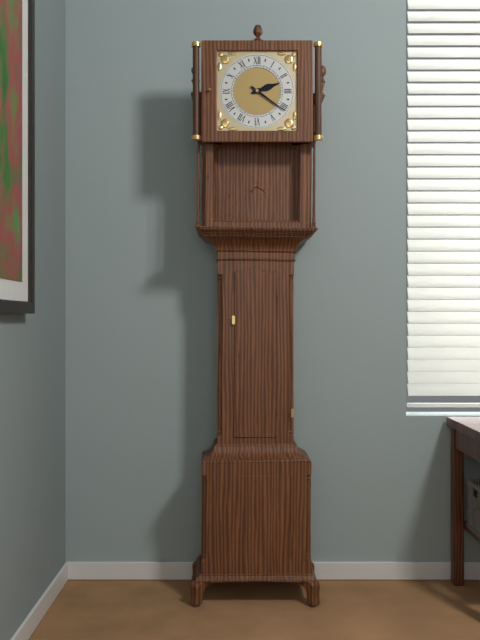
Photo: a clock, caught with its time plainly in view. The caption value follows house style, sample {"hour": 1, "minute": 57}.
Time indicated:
{"hour": 2, "minute": 21}
